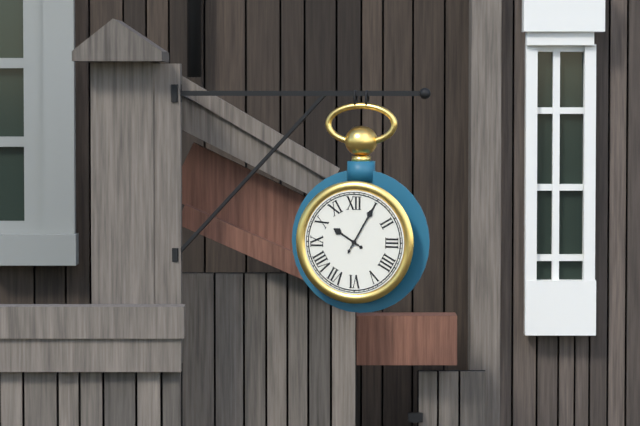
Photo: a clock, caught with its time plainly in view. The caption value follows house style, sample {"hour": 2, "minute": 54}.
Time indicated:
{"hour": 10, "minute": 5}
